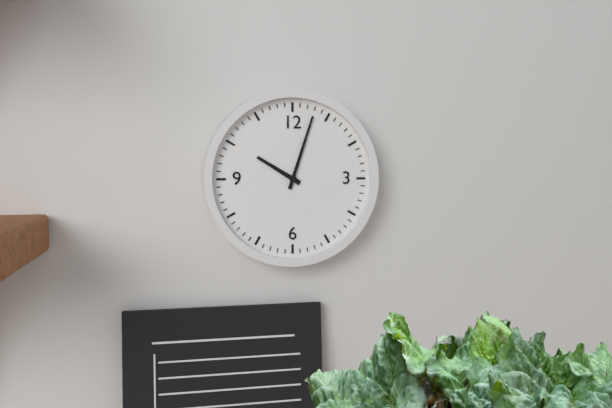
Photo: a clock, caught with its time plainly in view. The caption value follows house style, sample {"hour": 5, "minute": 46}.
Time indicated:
{"hour": 10, "minute": 3}
